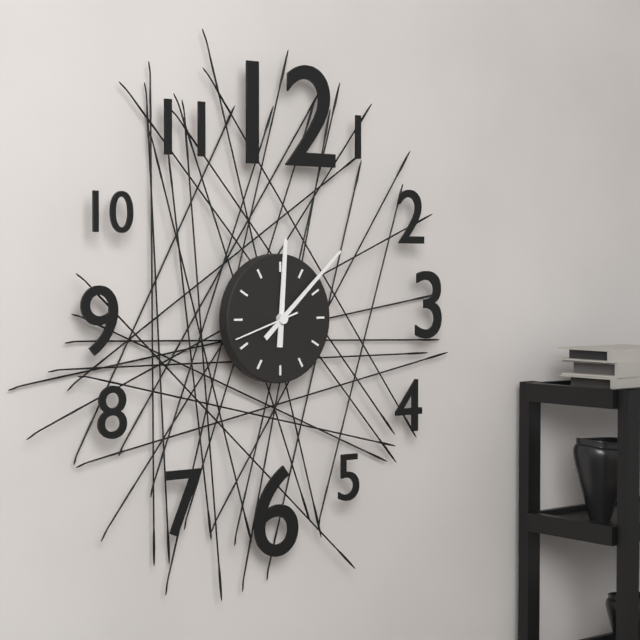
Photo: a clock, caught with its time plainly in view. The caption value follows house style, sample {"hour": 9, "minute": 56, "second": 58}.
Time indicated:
{"hour": 12, "minute": 8, "second": 42}
